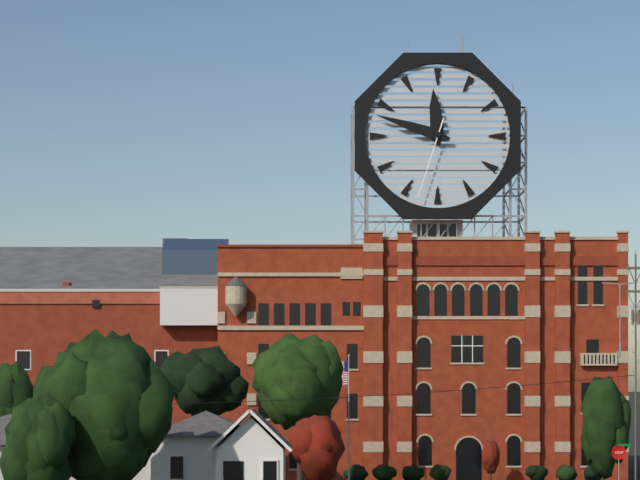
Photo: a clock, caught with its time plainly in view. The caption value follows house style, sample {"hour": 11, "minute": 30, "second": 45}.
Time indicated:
{"hour": 11, "minute": 48, "second": 33}
